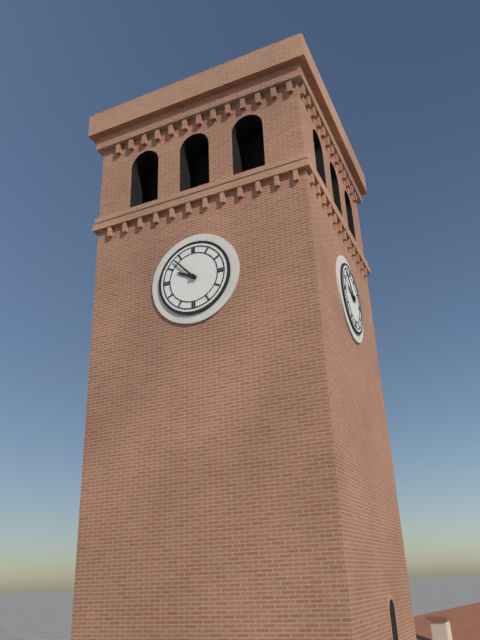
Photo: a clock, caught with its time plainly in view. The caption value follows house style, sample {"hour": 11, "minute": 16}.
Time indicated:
{"hour": 9, "minute": 53}
